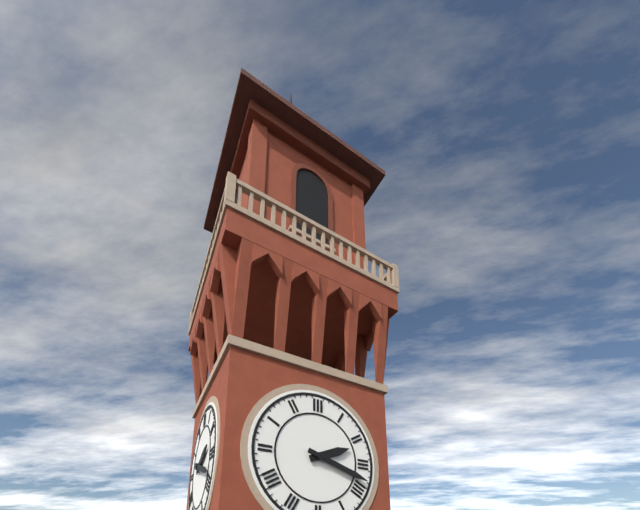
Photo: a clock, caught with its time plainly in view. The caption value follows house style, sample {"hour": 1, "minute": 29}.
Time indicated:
{"hour": 2, "minute": 18}
